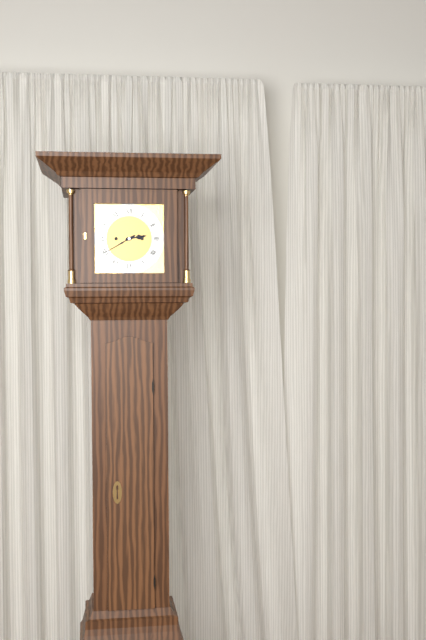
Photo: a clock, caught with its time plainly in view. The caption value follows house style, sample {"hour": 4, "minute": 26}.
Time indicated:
{"hour": 2, "minute": 40}
